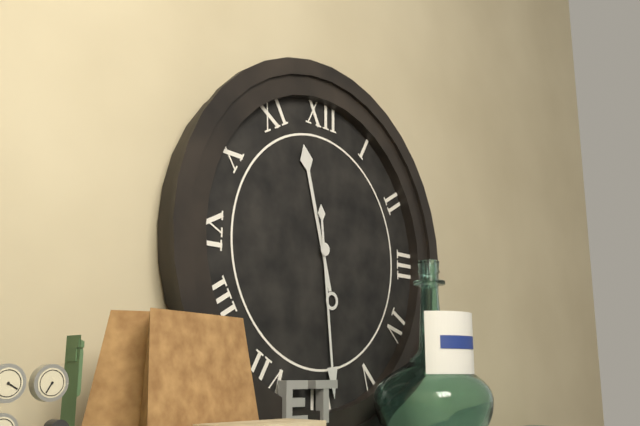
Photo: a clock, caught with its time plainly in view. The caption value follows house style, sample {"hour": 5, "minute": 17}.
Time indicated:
{"hour": 11, "minute": 29}
